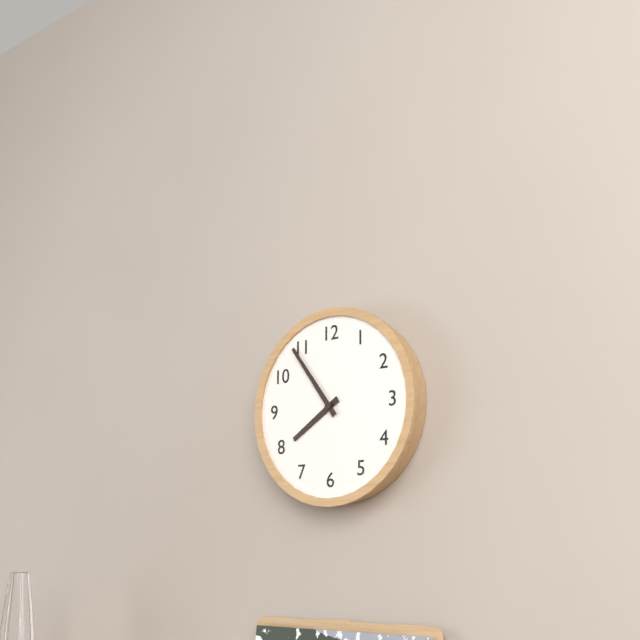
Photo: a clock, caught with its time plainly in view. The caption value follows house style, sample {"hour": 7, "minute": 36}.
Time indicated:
{"hour": 7, "minute": 54}
